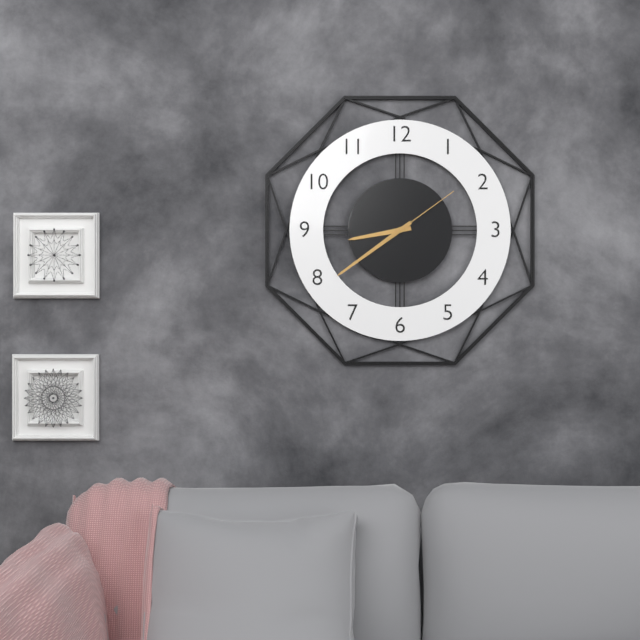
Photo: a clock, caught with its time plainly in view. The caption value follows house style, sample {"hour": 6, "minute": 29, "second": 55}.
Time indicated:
{"hour": 8, "minute": 39, "second": 9}
